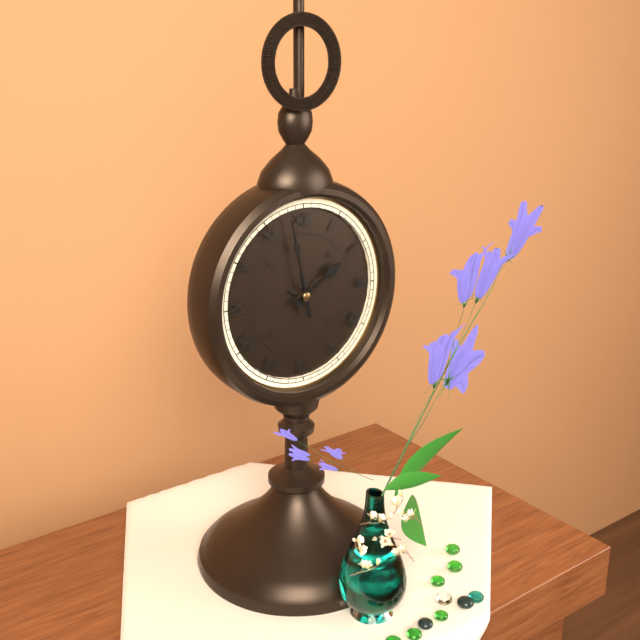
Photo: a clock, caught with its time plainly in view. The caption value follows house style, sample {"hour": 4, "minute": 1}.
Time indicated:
{"hour": 1, "minute": 58}
